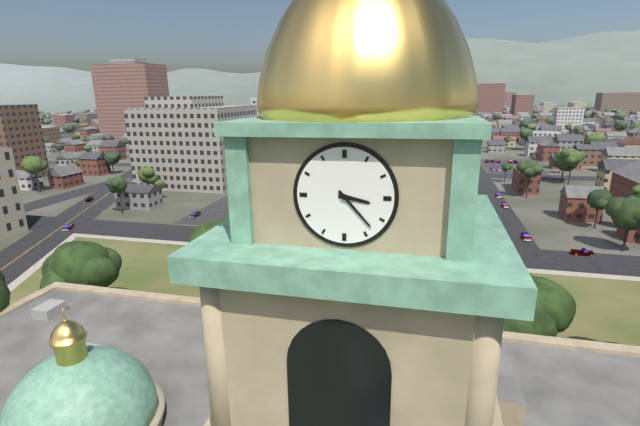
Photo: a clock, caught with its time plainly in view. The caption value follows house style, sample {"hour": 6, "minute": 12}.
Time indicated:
{"hour": 3, "minute": 23}
